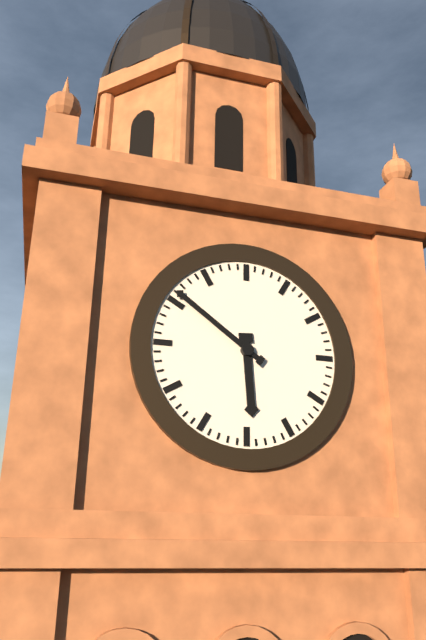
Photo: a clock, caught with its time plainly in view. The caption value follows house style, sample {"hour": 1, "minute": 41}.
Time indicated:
{"hour": 5, "minute": 51}
